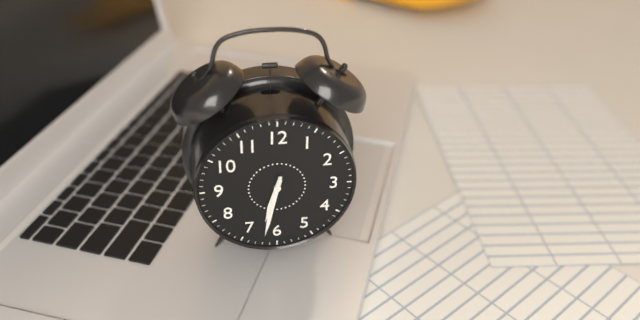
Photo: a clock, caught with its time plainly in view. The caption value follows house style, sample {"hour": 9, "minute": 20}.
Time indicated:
{"hour": 6, "minute": 32}
